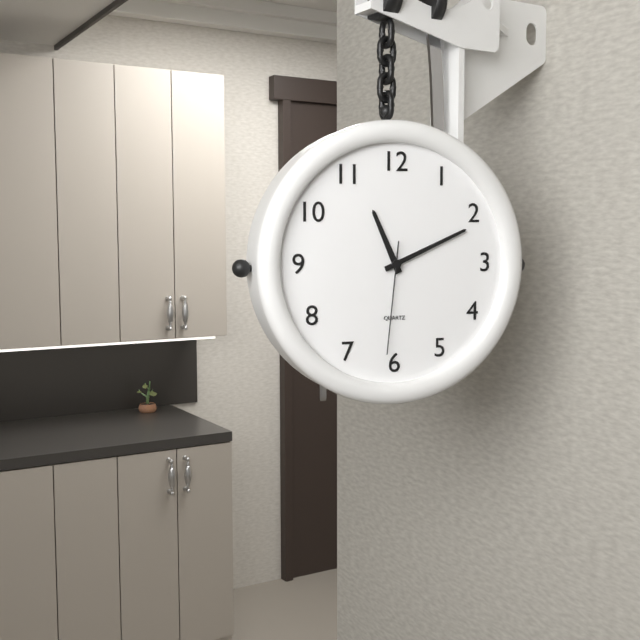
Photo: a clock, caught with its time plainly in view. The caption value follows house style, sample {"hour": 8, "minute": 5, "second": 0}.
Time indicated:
{"hour": 11, "minute": 11, "second": 31}
